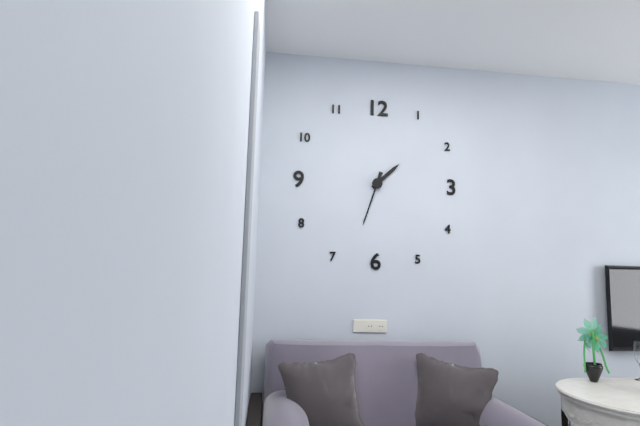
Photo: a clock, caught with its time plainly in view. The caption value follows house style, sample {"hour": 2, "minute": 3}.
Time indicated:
{"hour": 1, "minute": 33}
